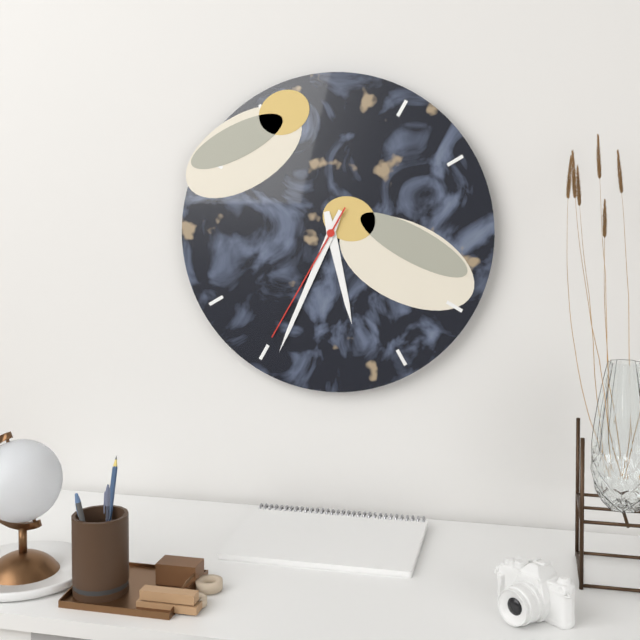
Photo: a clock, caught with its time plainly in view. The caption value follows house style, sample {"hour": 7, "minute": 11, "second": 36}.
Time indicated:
{"hour": 5, "minute": 34, "second": 35}
